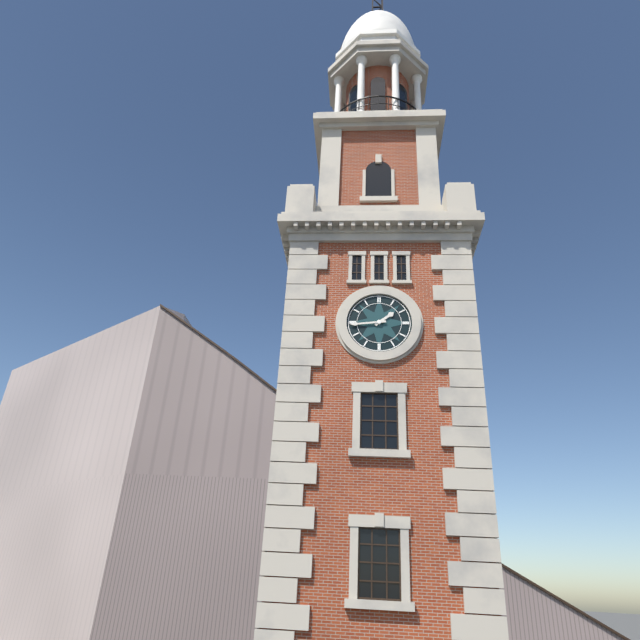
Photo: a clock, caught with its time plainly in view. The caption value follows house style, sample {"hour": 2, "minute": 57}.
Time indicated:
{"hour": 1, "minute": 44}
